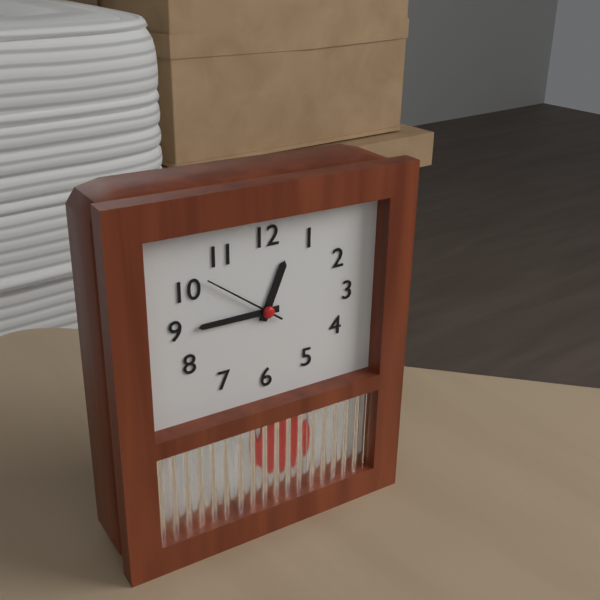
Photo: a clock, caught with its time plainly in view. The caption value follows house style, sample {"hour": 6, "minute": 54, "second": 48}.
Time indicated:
{"hour": 12, "minute": 45, "second": 51}
